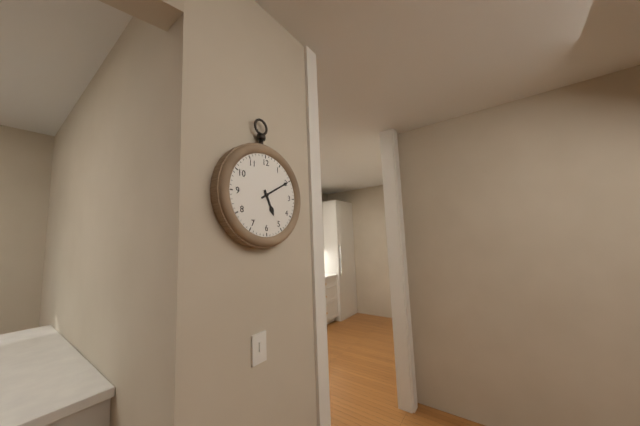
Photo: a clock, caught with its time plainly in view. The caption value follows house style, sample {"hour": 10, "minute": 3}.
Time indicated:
{"hour": 5, "minute": 10}
